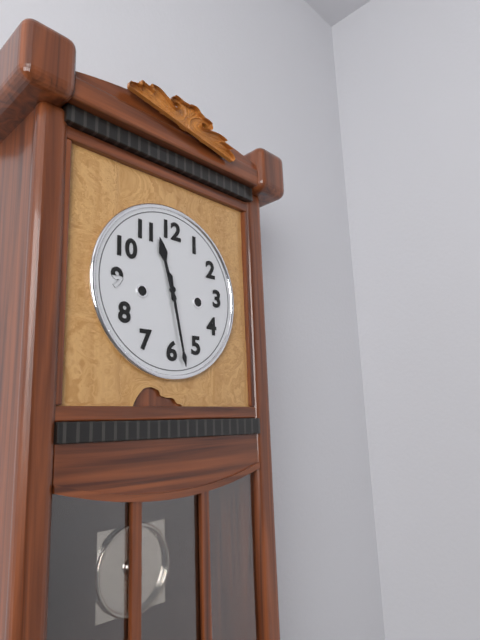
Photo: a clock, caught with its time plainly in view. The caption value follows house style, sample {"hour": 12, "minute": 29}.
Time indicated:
{"hour": 11, "minute": 28}
